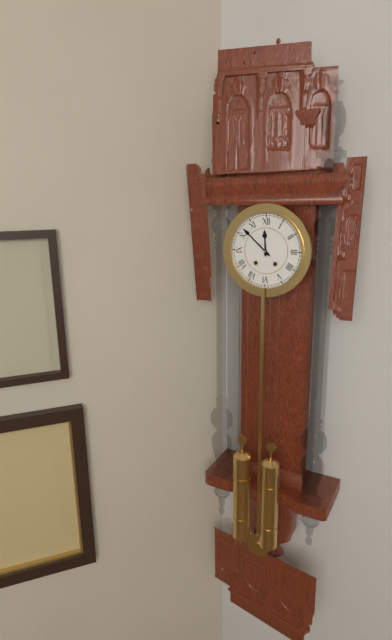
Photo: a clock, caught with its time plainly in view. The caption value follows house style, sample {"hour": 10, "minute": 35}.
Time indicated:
{"hour": 11, "minute": 52}
